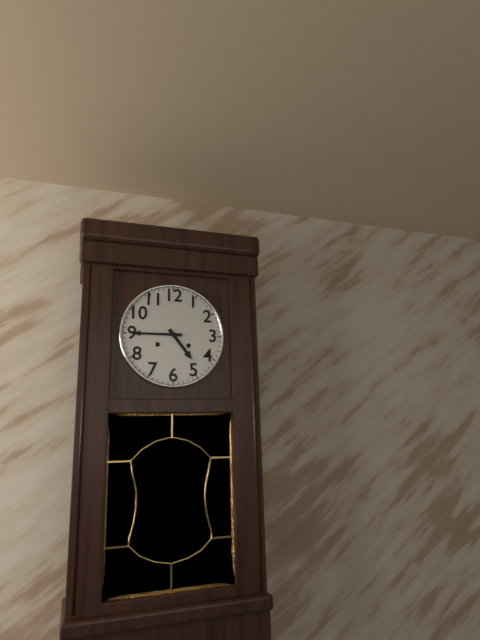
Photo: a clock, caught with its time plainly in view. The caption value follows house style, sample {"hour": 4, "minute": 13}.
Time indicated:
{"hour": 4, "minute": 45}
